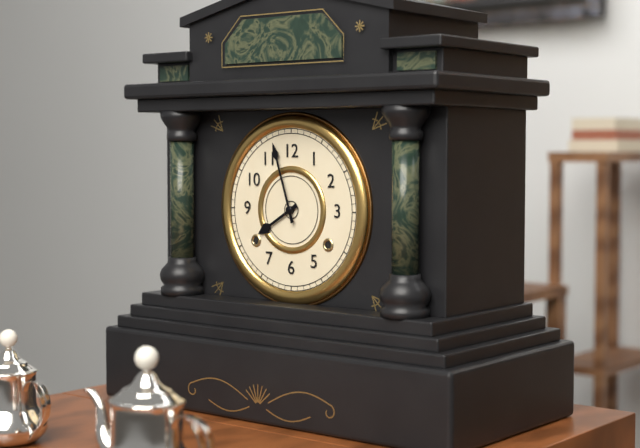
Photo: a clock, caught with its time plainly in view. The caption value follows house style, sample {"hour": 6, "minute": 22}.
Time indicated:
{"hour": 7, "minute": 57}
